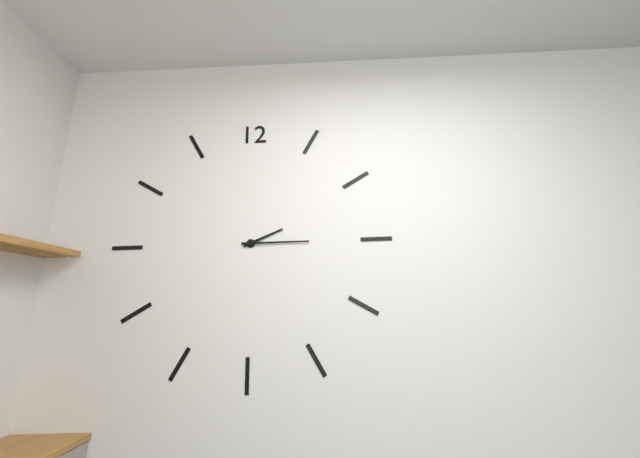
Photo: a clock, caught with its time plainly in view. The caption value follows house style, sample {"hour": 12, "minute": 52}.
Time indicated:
{"hour": 2, "minute": 15}
